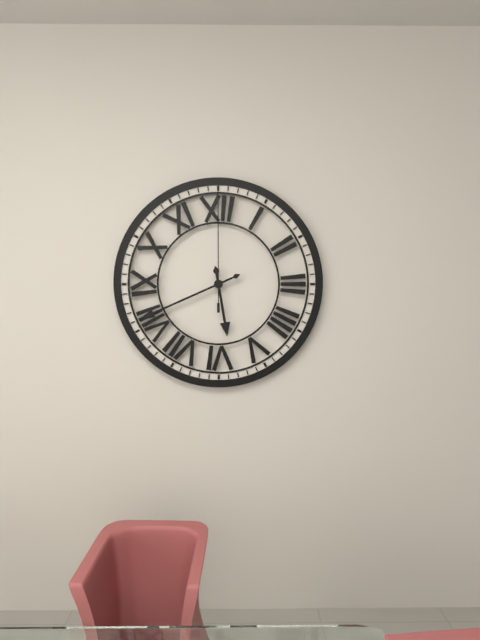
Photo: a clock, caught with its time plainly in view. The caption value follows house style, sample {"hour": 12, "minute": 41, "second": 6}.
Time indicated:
{"hour": 5, "minute": 41, "second": 0}
